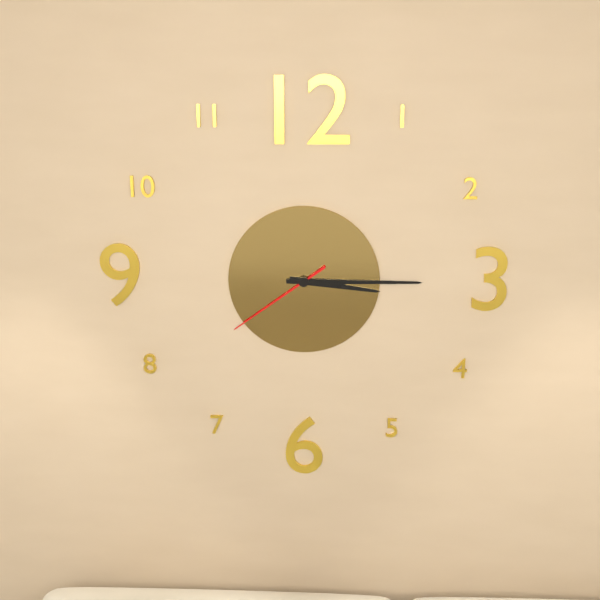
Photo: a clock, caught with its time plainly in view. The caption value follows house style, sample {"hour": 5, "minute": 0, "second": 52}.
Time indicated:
{"hour": 3, "minute": 15, "second": 39}
